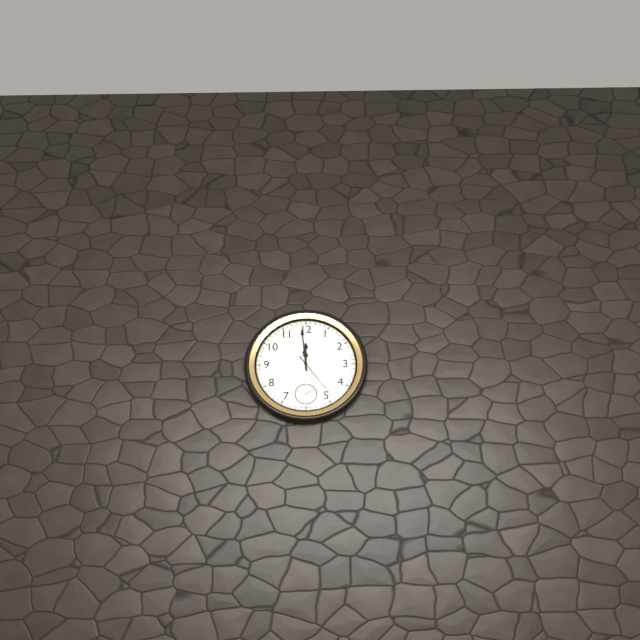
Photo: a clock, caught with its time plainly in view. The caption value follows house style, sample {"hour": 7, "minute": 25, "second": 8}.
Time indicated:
{"hour": 11, "minute": 59, "second": 24}
